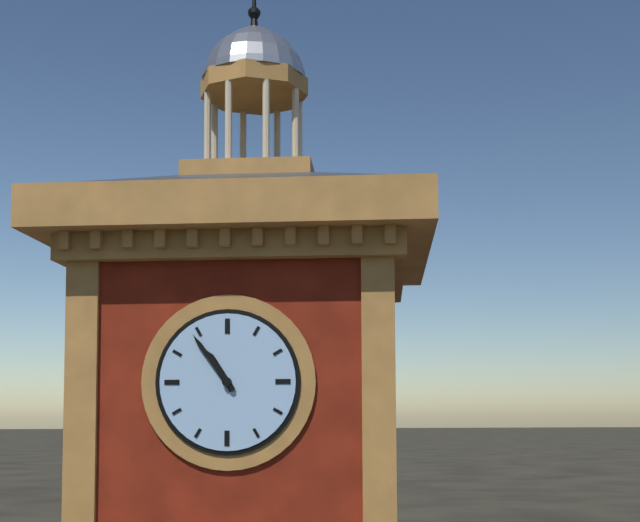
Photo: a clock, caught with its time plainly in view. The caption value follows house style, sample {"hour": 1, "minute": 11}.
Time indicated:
{"hour": 10, "minute": 54}
